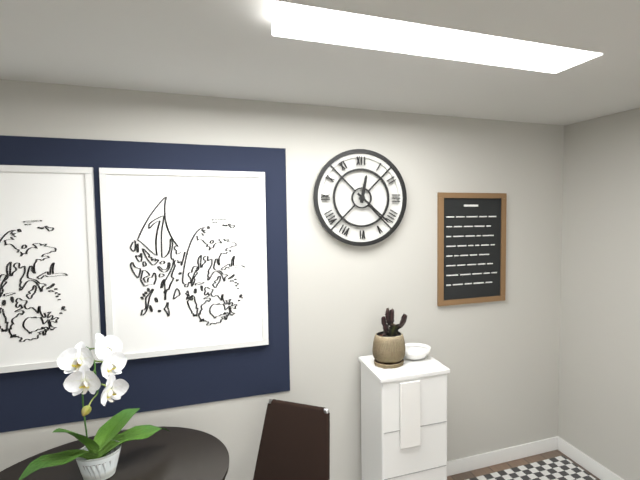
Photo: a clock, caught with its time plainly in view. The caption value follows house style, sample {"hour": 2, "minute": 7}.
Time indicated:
{"hour": 12, "minute": 22}
